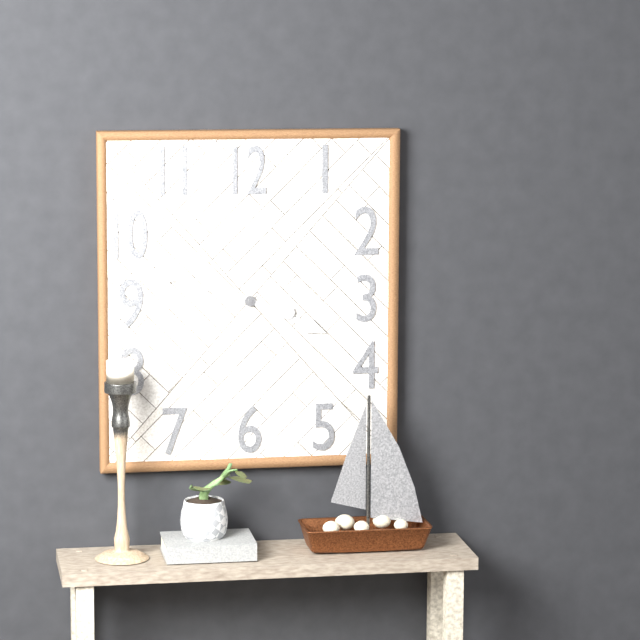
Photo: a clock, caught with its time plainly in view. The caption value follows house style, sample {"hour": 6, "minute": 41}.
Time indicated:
{"hour": 3, "minute": 48}
